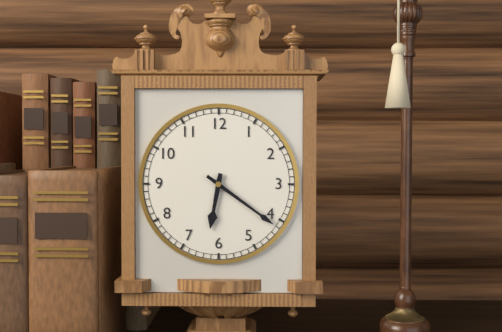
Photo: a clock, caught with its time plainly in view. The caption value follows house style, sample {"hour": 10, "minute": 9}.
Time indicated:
{"hour": 6, "minute": 21}
